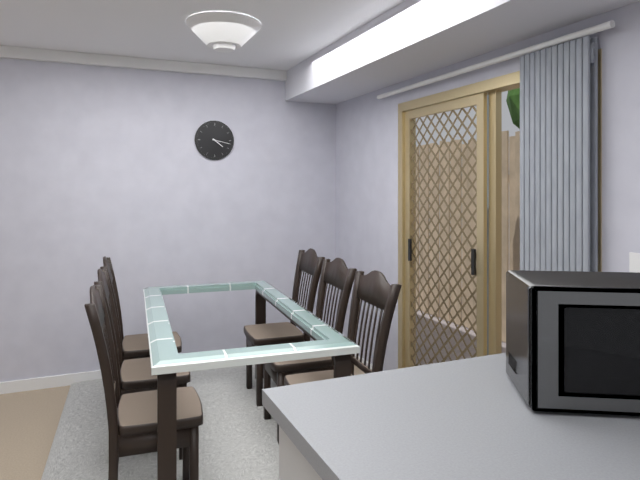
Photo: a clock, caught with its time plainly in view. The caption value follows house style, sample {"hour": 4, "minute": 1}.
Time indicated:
{"hour": 4, "minute": 17}
